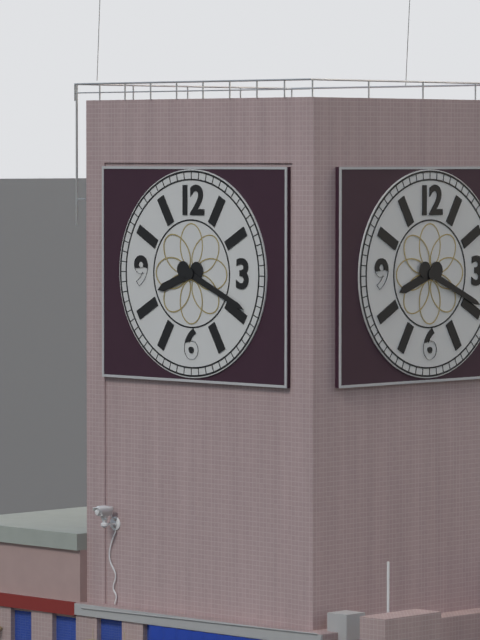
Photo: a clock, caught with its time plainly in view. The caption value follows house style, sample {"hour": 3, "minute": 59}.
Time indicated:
{"hour": 8, "minute": 19}
